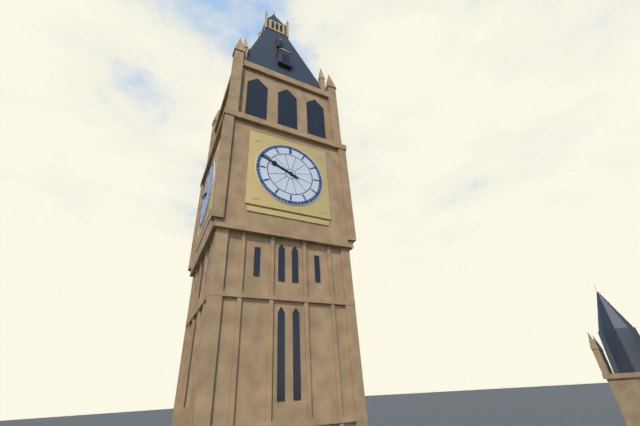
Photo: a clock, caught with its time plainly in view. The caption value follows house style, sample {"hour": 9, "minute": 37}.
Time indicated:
{"hour": 9, "minute": 49}
